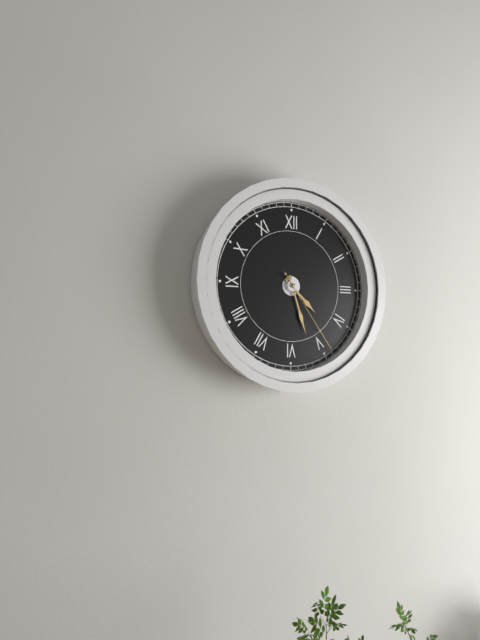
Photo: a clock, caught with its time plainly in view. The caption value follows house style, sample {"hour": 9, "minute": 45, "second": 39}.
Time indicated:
{"hour": 4, "minute": 27, "second": 24}
